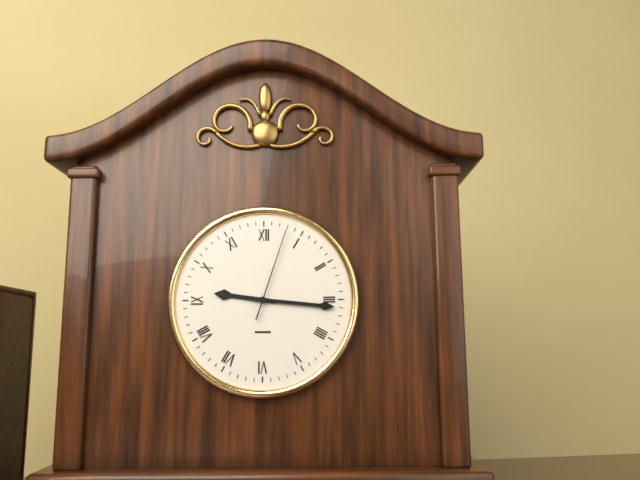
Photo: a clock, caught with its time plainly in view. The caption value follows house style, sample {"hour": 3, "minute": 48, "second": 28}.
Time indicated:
{"hour": 9, "minute": 16, "second": 3}
